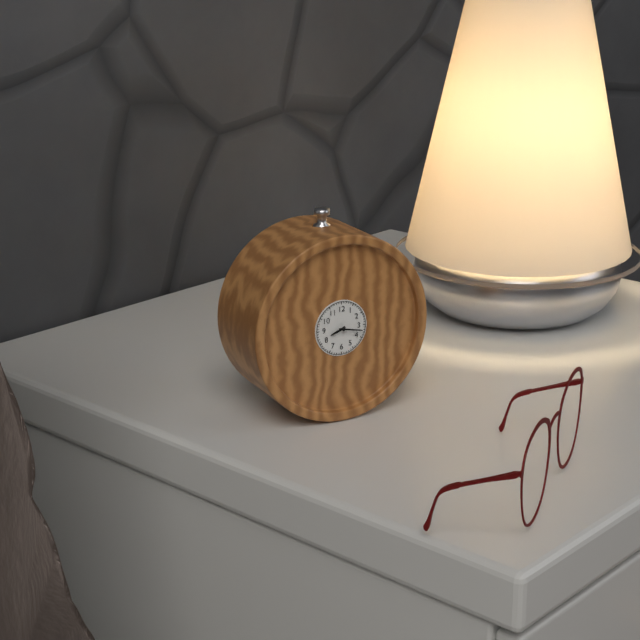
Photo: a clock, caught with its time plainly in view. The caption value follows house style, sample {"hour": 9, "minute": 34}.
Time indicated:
{"hour": 8, "minute": 17}
